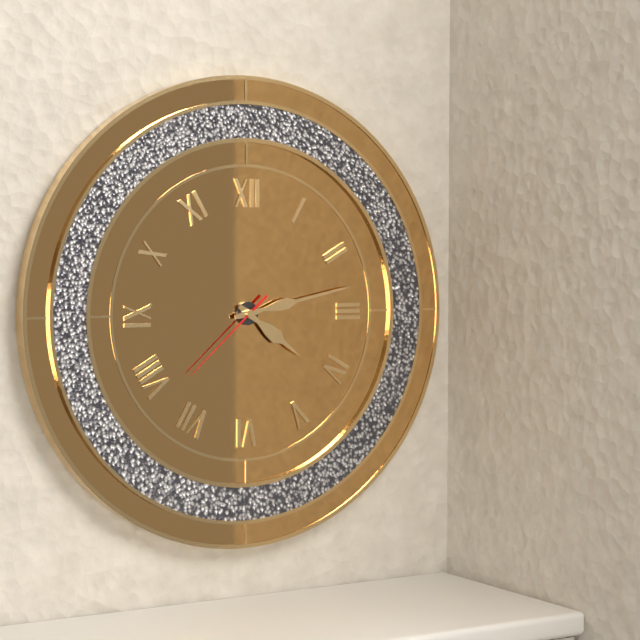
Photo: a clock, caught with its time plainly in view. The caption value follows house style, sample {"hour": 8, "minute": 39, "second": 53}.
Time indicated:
{"hour": 4, "minute": 13, "second": 38}
